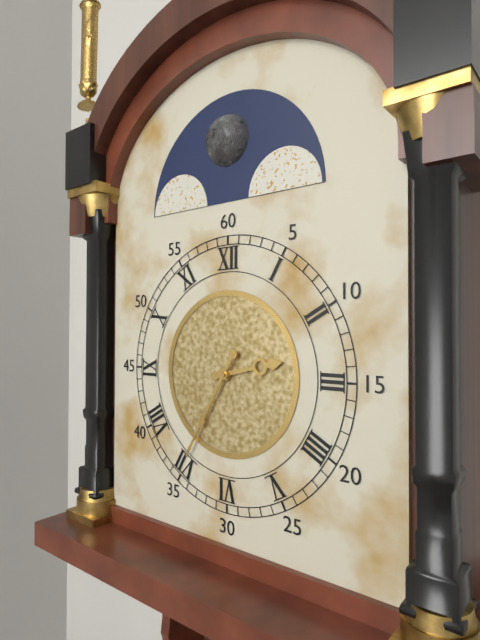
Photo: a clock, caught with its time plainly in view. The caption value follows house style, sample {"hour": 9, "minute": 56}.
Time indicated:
{"hour": 2, "minute": 35}
